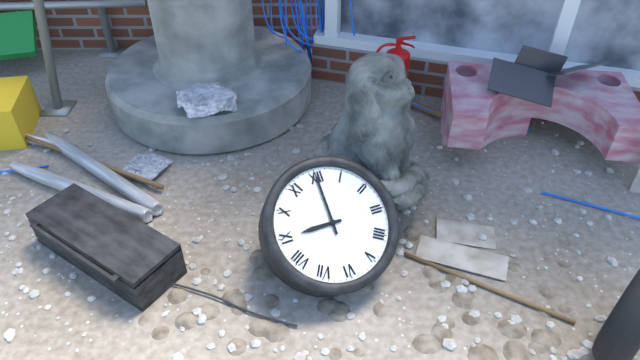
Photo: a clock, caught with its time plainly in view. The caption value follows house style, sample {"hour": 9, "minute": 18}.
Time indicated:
{"hour": 9, "minute": 0}
